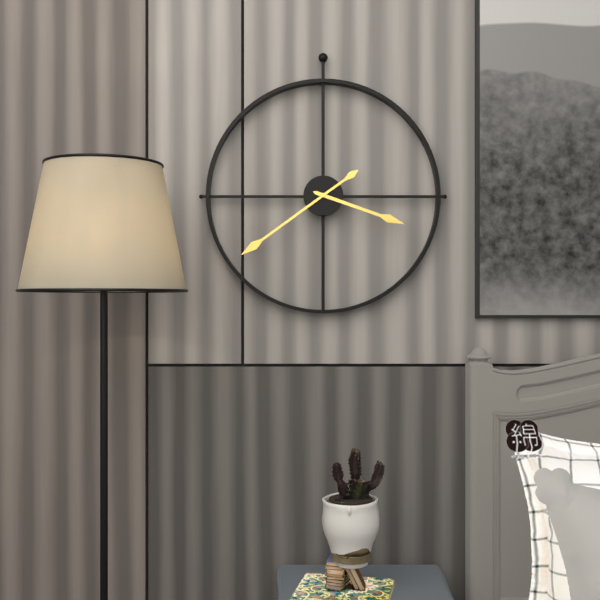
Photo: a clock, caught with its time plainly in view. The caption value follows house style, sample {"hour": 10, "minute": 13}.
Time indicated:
{"hour": 3, "minute": 39}
